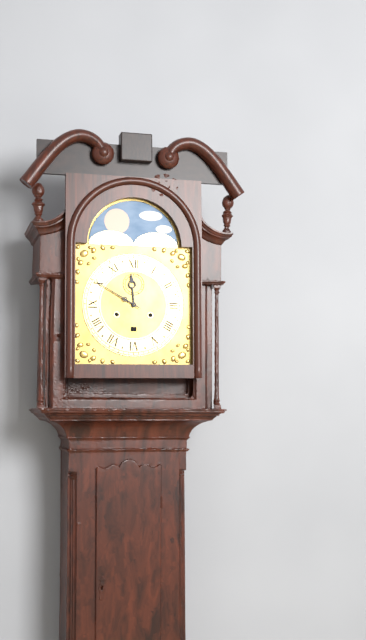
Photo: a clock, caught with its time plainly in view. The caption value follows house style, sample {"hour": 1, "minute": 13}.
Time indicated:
{"hour": 11, "minute": 50}
